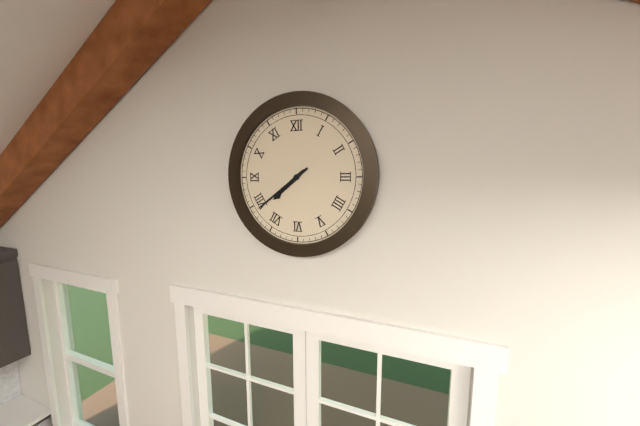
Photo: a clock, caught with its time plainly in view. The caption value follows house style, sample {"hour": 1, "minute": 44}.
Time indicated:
{"hour": 7, "minute": 39}
